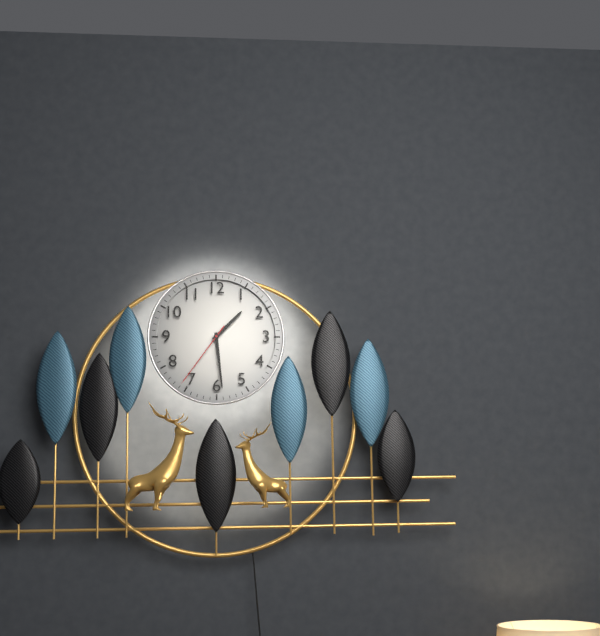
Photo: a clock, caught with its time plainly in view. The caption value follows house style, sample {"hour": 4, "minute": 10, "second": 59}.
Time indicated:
{"hour": 1, "minute": 29, "second": 36}
